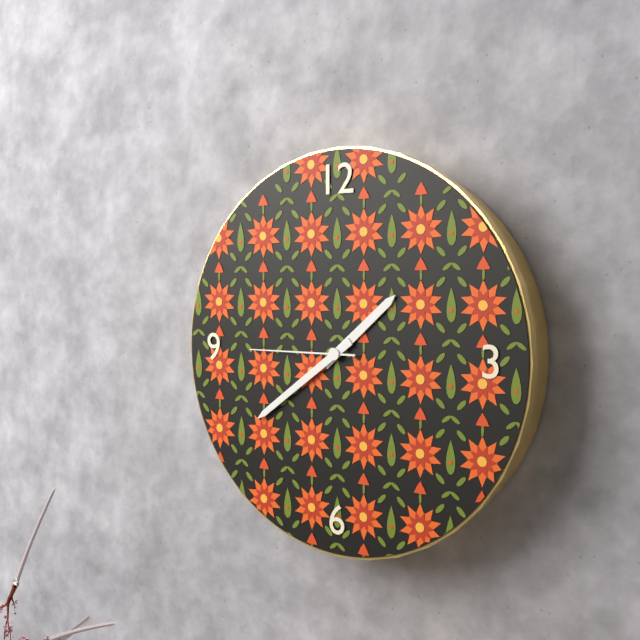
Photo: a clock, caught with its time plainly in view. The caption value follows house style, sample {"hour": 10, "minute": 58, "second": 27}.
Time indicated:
{"hour": 1, "minute": 39, "second": 45}
